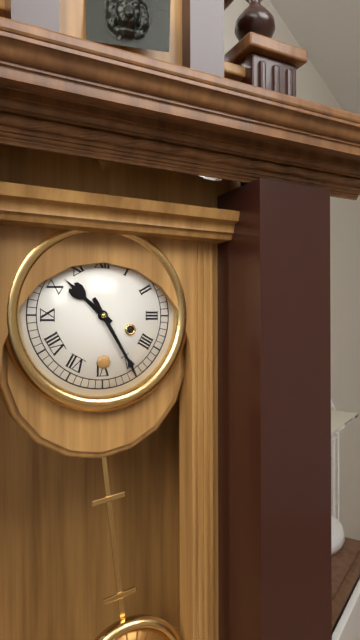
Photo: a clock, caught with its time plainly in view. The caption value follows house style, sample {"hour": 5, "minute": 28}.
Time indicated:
{"hour": 10, "minute": 25}
